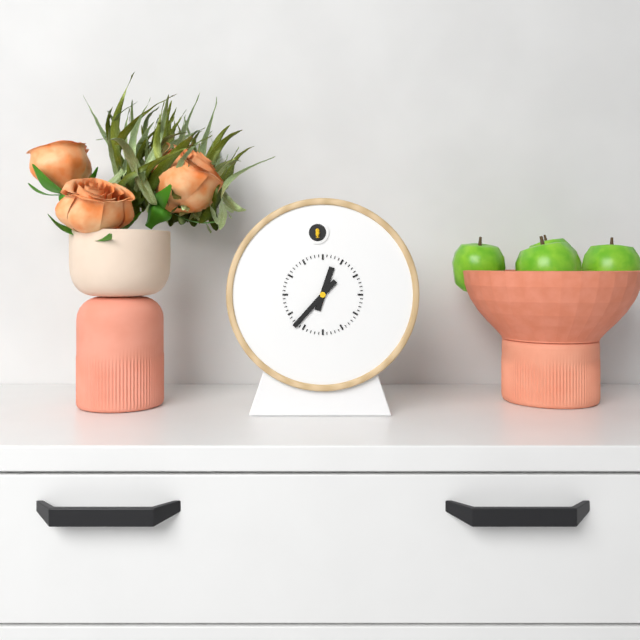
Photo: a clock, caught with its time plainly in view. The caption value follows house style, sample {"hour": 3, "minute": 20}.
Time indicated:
{"hour": 12, "minute": 37}
